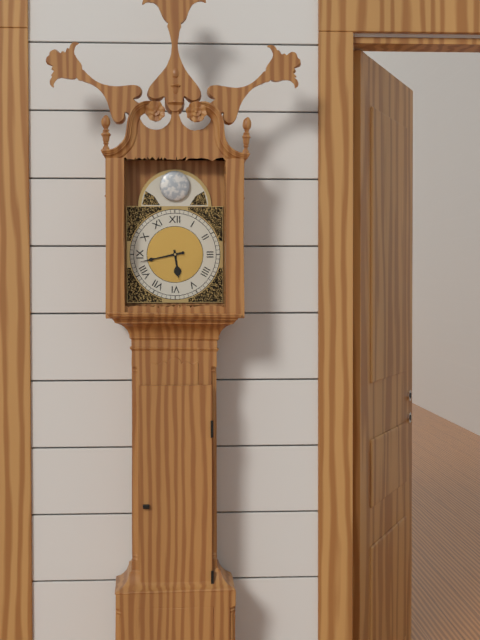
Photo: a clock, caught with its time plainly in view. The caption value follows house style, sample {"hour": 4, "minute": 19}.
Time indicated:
{"hour": 5, "minute": 43}
